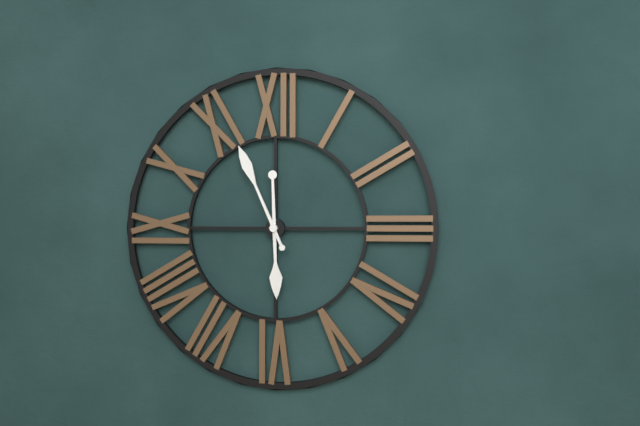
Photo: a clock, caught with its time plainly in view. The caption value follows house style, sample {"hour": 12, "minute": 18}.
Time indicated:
{"hour": 5, "minute": 56}
